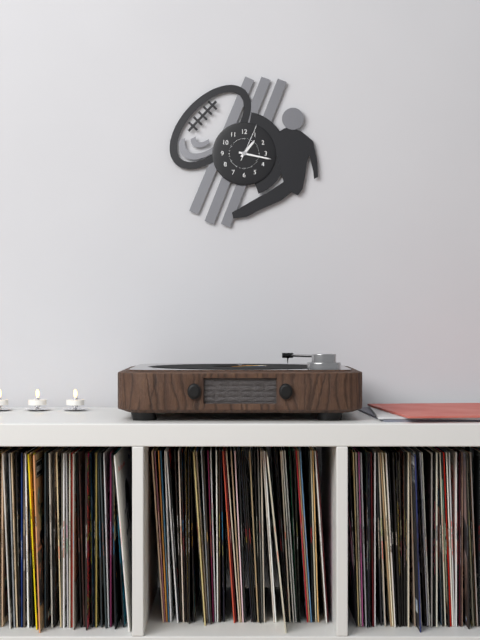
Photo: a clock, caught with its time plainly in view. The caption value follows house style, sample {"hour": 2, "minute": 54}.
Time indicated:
{"hour": 1, "minute": 17}
